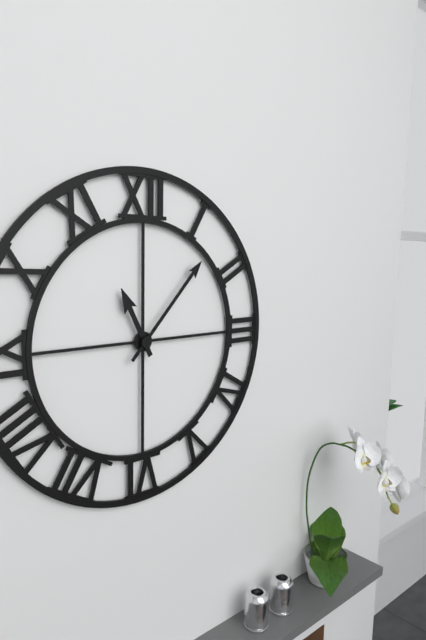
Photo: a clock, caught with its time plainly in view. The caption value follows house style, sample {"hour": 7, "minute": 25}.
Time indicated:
{"hour": 11, "minute": 7}
